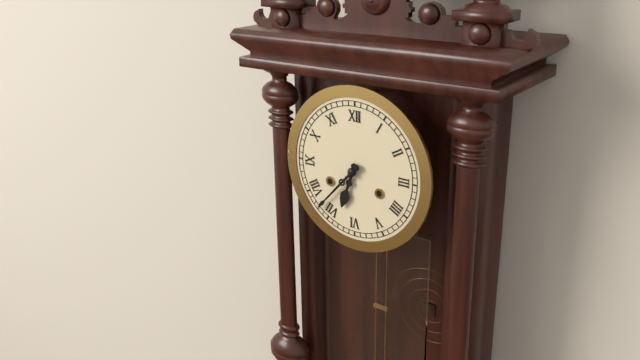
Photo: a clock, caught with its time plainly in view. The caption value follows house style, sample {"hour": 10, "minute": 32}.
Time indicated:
{"hour": 6, "minute": 37}
